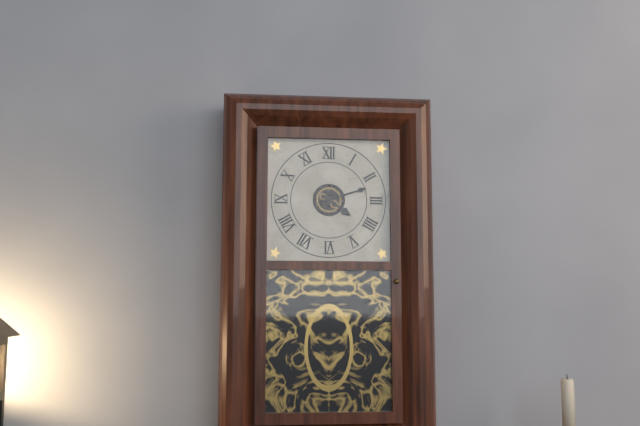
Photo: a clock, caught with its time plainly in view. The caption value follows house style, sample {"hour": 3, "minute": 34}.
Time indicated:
{"hour": 4, "minute": 12}
